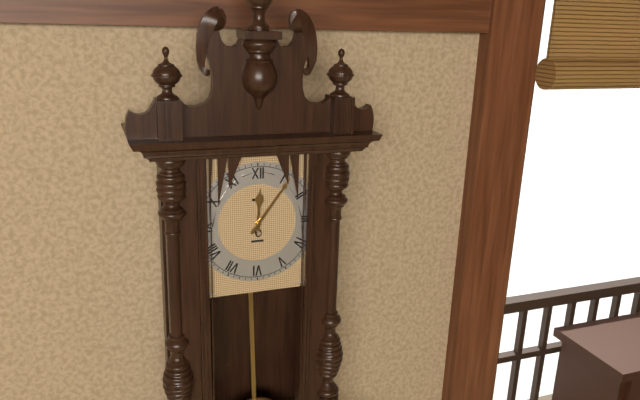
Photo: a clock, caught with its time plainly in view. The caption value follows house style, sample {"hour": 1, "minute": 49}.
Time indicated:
{"hour": 12, "minute": 6}
